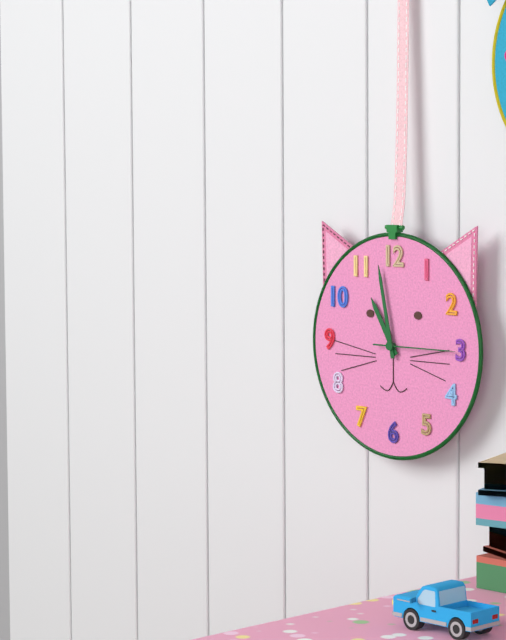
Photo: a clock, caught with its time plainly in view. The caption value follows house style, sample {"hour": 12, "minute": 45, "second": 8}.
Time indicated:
{"hour": 10, "minute": 58, "second": 15}
